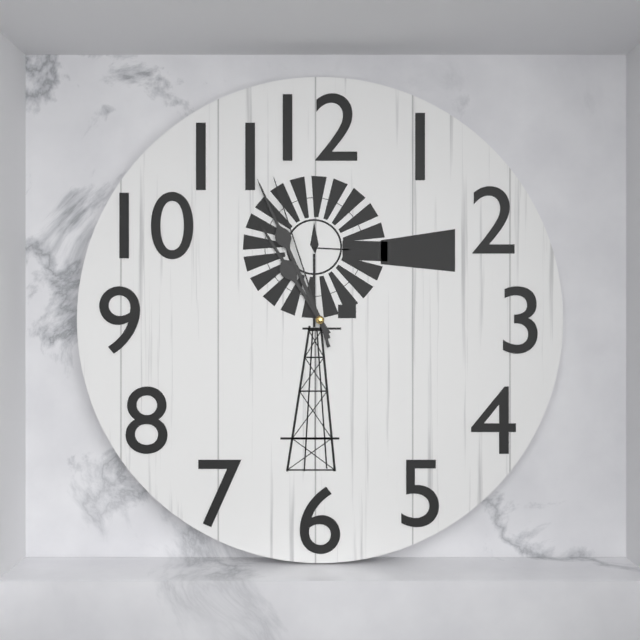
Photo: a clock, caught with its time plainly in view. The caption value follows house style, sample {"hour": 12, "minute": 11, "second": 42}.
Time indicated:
{"hour": 10, "minute": 56, "second": 57}
